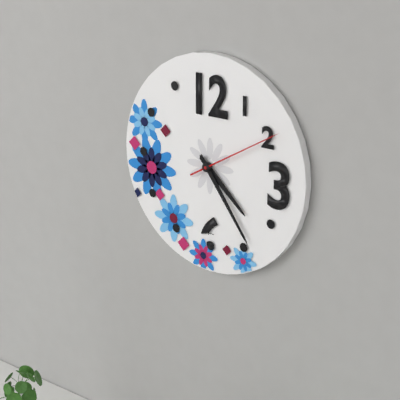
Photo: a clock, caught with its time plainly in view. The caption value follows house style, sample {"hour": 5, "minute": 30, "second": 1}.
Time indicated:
{"hour": 4, "minute": 24, "second": 10}
